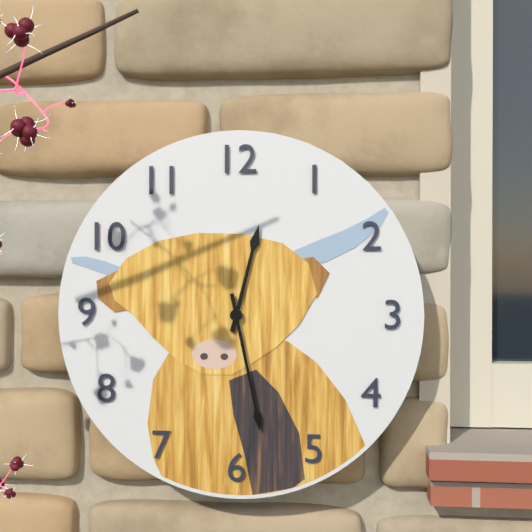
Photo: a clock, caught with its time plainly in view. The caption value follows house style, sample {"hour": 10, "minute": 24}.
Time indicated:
{"hour": 12, "minute": 28}
